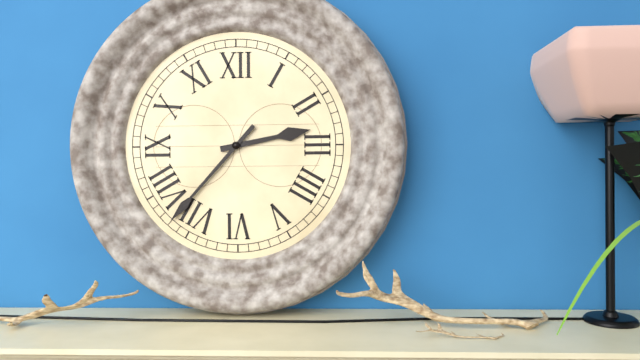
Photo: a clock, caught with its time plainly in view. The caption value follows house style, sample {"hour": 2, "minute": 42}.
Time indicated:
{"hour": 2, "minute": 37}
